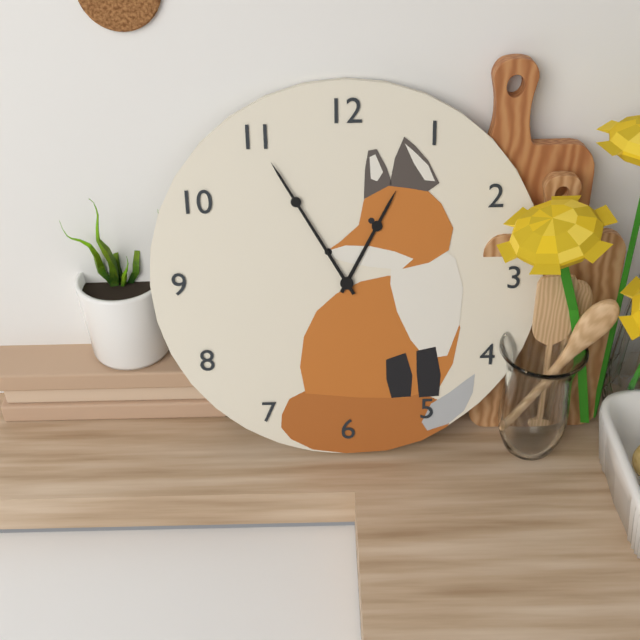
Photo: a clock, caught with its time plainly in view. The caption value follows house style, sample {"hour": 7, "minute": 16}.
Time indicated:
{"hour": 12, "minute": 55}
